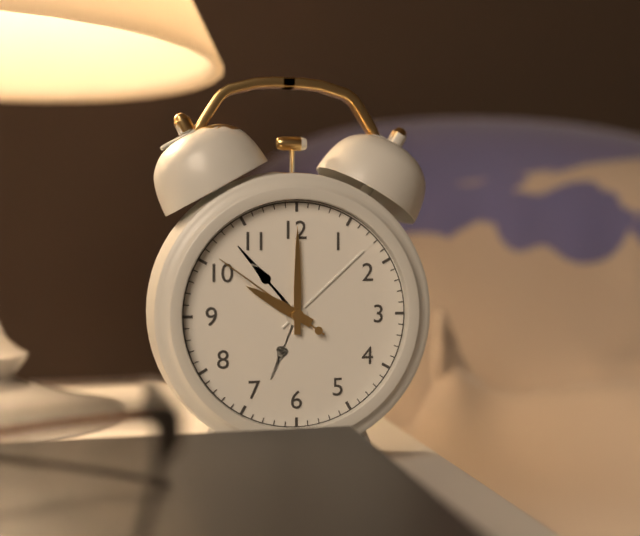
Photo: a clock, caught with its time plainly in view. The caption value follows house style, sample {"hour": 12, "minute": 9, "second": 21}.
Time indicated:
{"hour": 10, "minute": 0, "second": 51}
